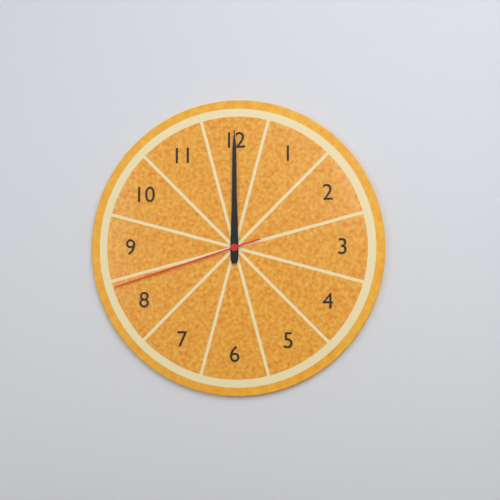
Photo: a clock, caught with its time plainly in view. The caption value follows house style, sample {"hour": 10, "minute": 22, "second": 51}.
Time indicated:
{"hour": 12, "minute": 0, "second": 42}
